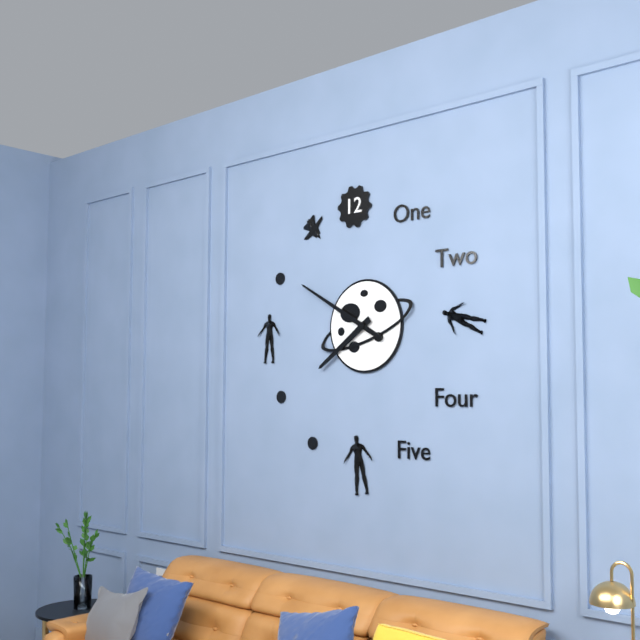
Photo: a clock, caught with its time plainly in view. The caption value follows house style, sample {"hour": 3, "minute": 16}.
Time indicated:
{"hour": 7, "minute": 50}
